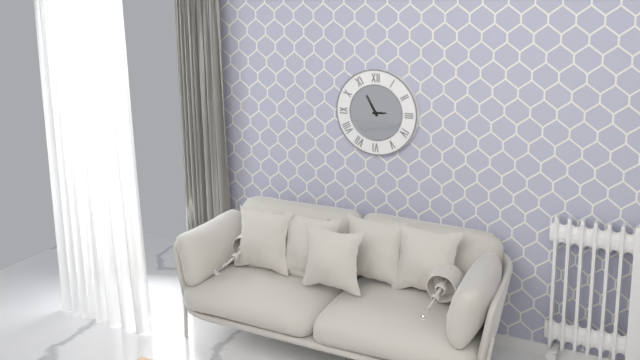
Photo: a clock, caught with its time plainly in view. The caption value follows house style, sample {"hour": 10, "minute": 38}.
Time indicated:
{"hour": 2, "minute": 55}
